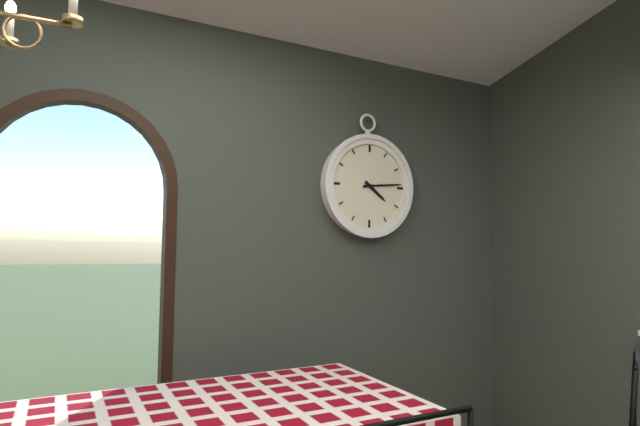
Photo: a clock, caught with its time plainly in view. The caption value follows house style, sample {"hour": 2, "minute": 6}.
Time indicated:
{"hour": 4, "minute": 14}
